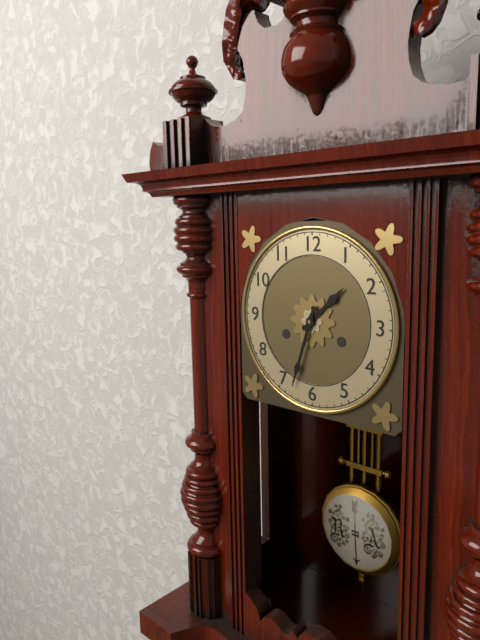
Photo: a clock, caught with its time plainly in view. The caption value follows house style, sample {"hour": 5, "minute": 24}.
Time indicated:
{"hour": 1, "minute": 33}
